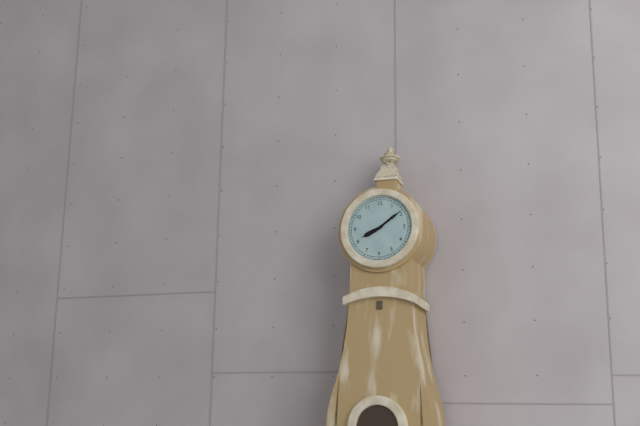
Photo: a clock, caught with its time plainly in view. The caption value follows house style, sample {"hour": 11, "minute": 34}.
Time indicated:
{"hour": 8, "minute": 9}
